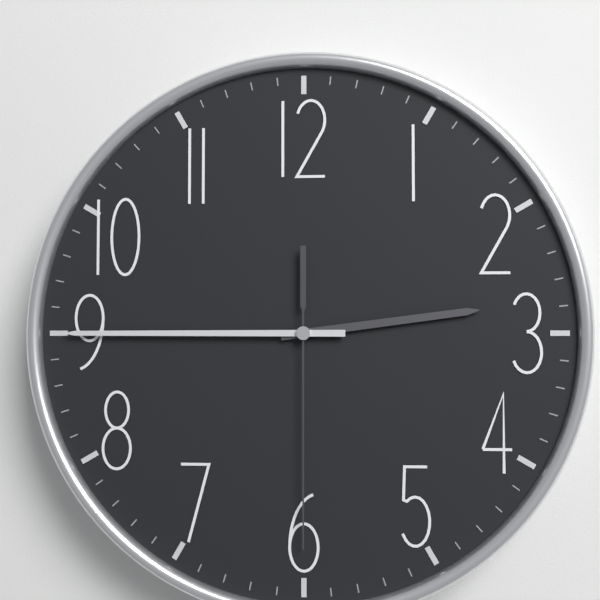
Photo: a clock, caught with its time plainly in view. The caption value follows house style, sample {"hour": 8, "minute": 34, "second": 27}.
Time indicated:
{"hour": 2, "minute": 45, "second": 30}
